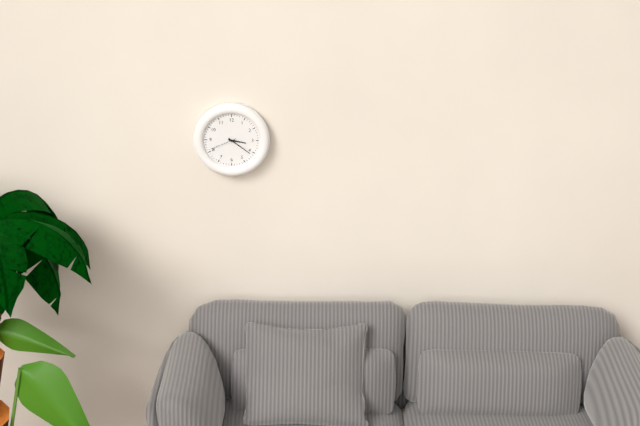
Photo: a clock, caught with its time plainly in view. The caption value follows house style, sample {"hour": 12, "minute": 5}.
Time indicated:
{"hour": 3, "minute": 21}
